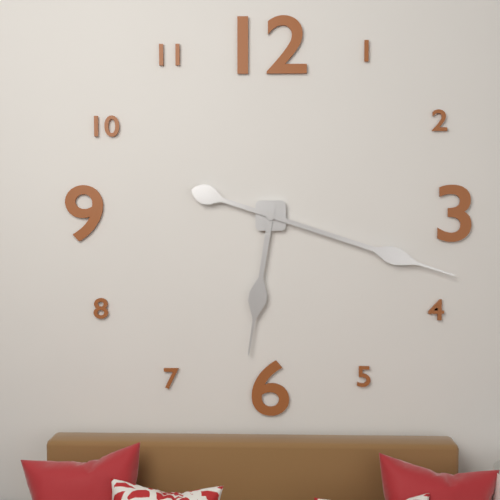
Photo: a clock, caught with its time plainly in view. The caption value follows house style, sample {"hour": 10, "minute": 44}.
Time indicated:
{"hour": 6, "minute": 18}
